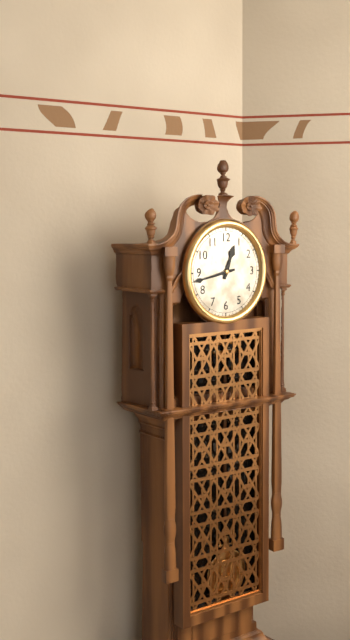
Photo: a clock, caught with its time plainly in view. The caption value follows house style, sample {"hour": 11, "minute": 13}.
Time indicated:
{"hour": 12, "minute": 43}
